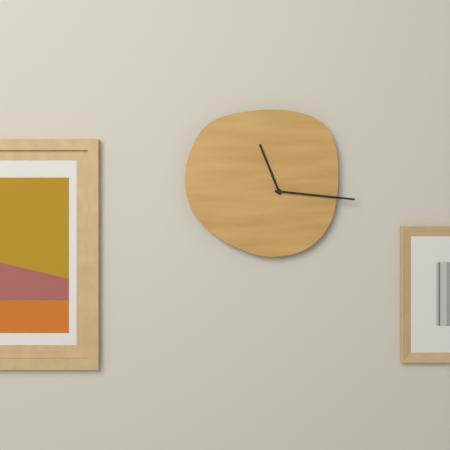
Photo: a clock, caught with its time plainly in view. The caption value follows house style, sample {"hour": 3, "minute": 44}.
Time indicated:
{"hour": 11, "minute": 16}
